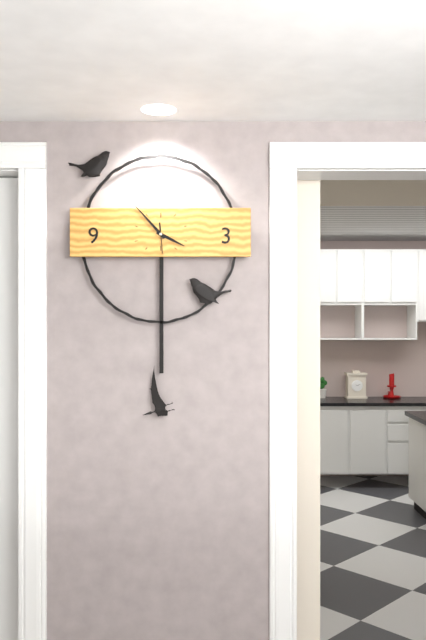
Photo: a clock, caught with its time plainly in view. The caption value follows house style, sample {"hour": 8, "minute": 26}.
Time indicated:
{"hour": 3, "minute": 53}
